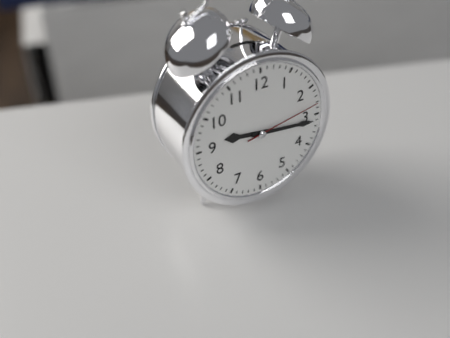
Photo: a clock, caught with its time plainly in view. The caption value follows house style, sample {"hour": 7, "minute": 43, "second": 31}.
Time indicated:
{"hour": 9, "minute": 16, "second": 13}
